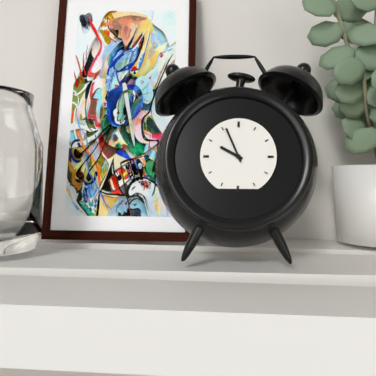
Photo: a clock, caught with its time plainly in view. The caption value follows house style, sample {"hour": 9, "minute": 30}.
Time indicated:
{"hour": 9, "minute": 56}
